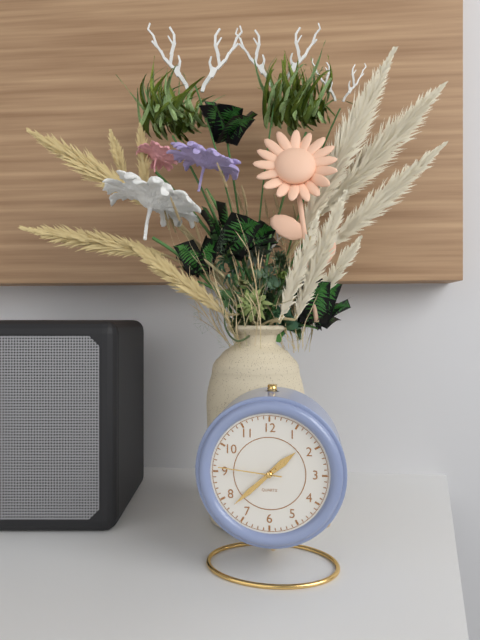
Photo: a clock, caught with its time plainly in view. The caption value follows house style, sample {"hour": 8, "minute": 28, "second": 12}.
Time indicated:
{"hour": 1, "minute": 38, "second": 46}
